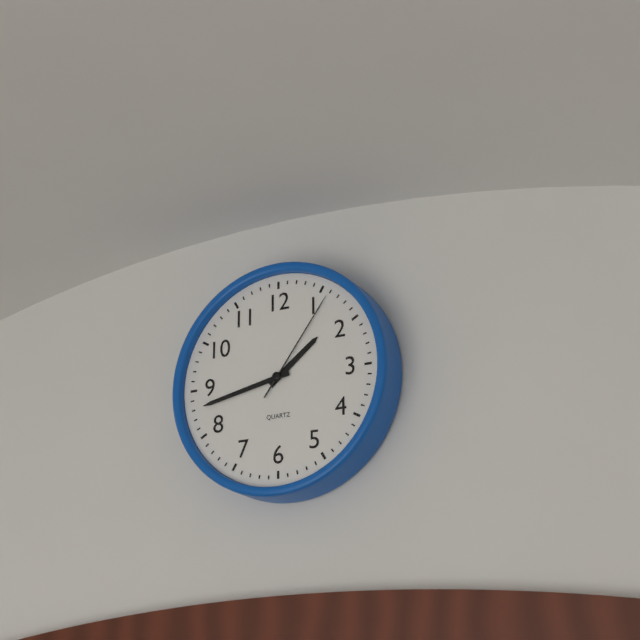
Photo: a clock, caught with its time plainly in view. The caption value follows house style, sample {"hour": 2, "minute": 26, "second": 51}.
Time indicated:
{"hour": 1, "minute": 43, "second": 6}
